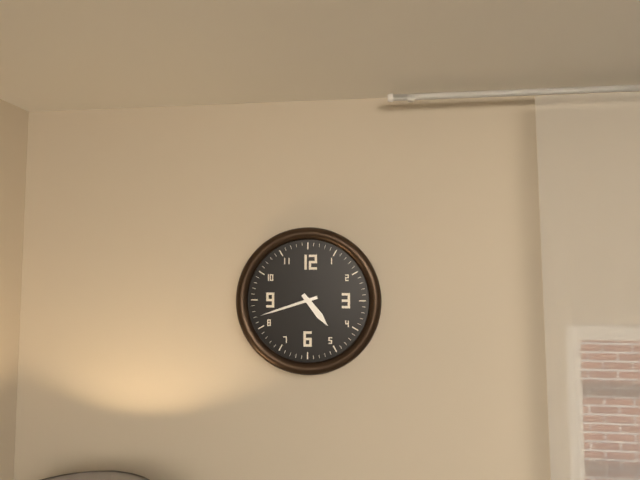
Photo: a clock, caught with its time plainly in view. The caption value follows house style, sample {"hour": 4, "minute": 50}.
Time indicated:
{"hour": 4, "minute": 42}
